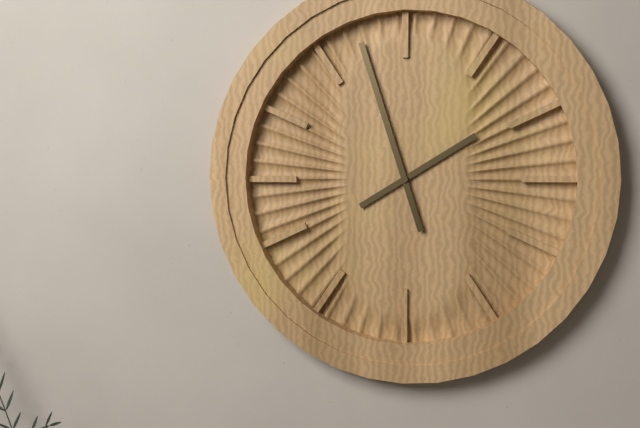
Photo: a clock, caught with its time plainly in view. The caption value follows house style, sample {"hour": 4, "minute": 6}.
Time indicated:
{"hour": 1, "minute": 57}
